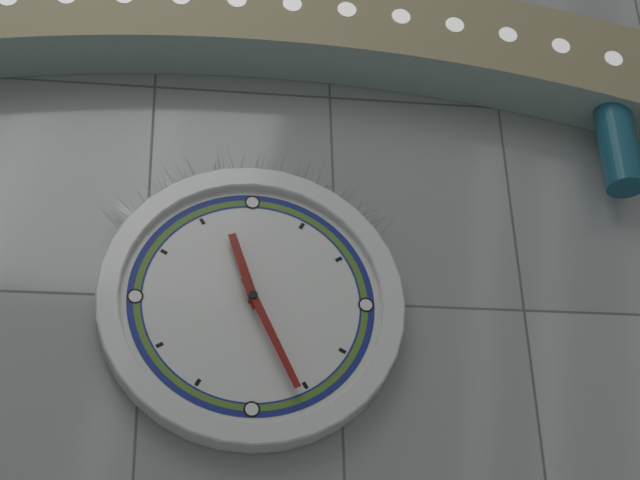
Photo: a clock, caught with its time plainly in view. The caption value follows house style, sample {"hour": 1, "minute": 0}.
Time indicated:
{"hour": 11, "minute": 26}
